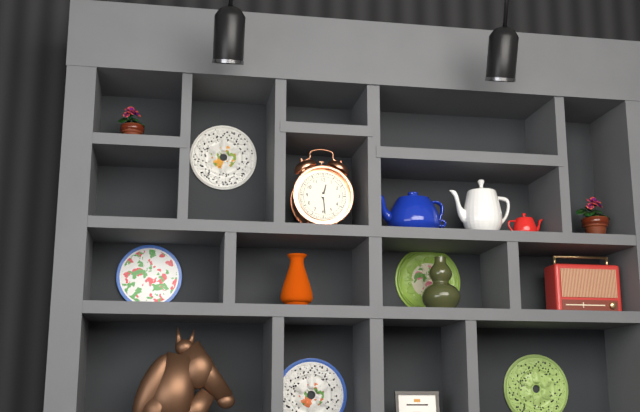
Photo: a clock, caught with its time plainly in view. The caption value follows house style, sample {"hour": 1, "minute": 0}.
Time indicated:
{"hour": 12, "minute": 29}
